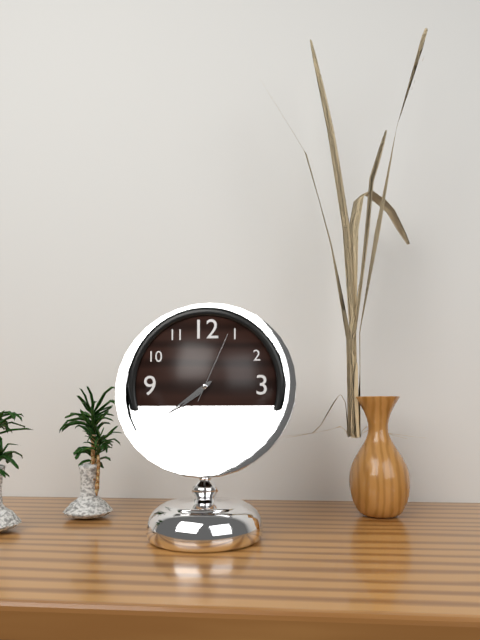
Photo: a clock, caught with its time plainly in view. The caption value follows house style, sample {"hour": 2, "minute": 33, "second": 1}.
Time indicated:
{"hour": 7, "minute": 39, "second": 4}
